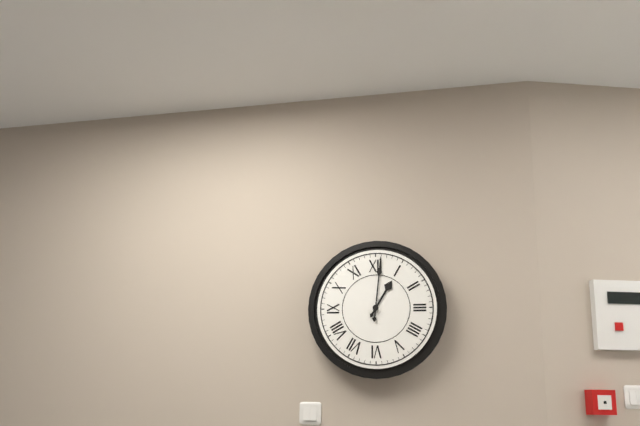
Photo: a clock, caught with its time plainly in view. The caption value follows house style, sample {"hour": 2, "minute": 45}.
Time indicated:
{"hour": 1, "minute": 1}
